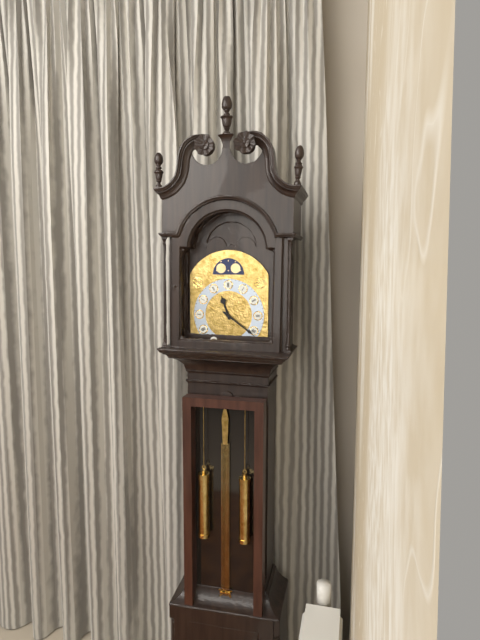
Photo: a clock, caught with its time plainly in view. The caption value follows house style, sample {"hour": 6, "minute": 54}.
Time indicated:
{"hour": 11, "minute": 21}
